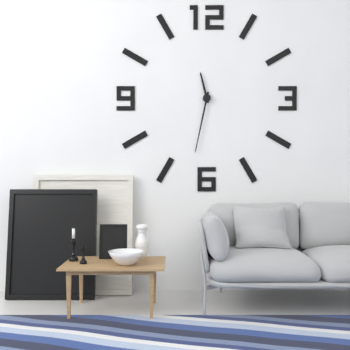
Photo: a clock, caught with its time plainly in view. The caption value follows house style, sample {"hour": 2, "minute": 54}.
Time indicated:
{"hour": 11, "minute": 32}
